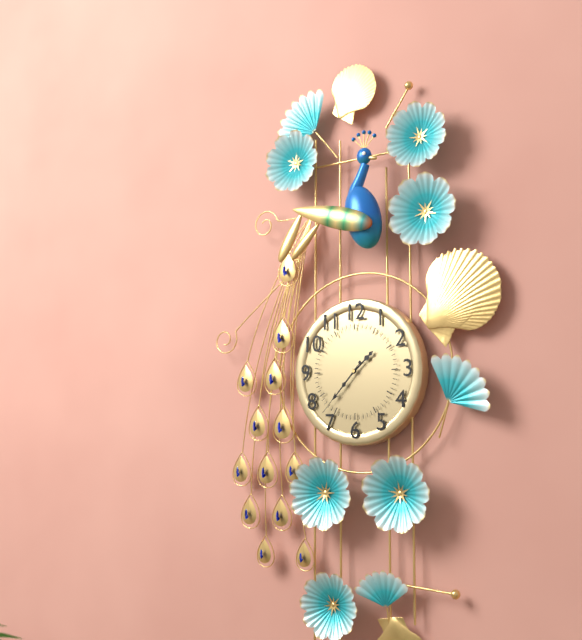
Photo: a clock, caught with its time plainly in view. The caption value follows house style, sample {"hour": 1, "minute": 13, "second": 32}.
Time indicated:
{"hour": 1, "minute": 37, "second": 37}
